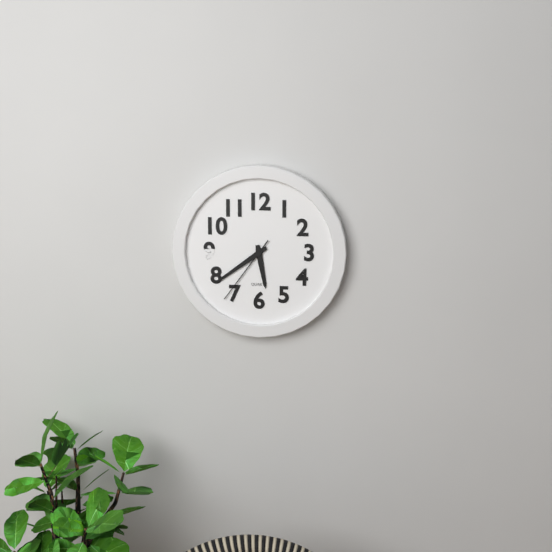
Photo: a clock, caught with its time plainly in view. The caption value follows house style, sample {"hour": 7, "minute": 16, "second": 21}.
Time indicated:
{"hour": 5, "minute": 39, "second": 36}
